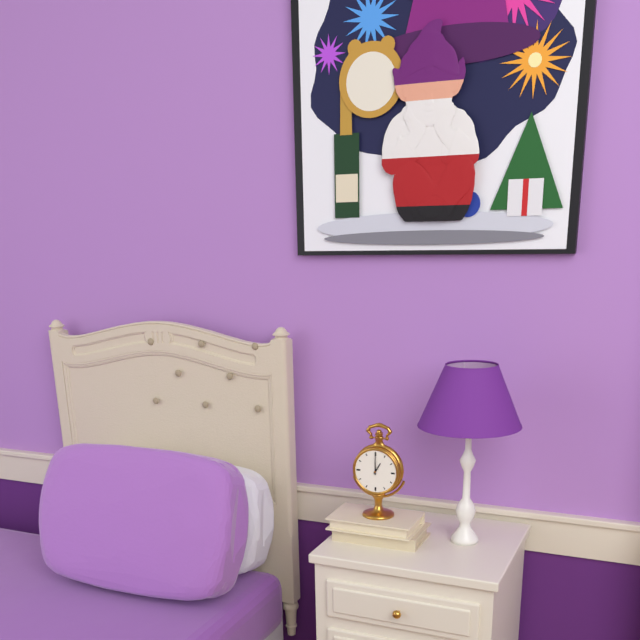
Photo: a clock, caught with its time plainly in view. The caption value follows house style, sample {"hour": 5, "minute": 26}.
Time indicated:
{"hour": 1, "minute": 0}
